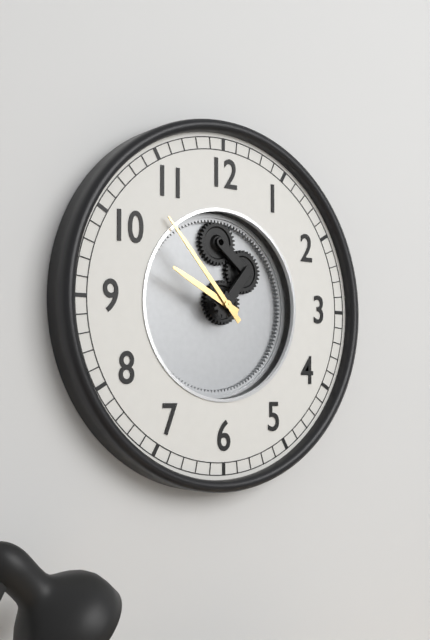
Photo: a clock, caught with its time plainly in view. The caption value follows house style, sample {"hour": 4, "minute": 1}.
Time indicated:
{"hour": 9, "minute": 53}
